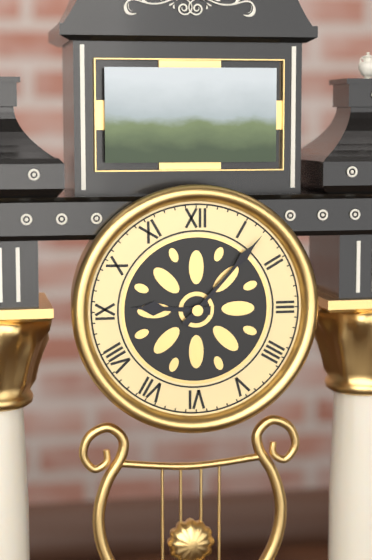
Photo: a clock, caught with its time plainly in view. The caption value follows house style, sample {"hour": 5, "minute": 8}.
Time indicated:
{"hour": 9, "minute": 7}
